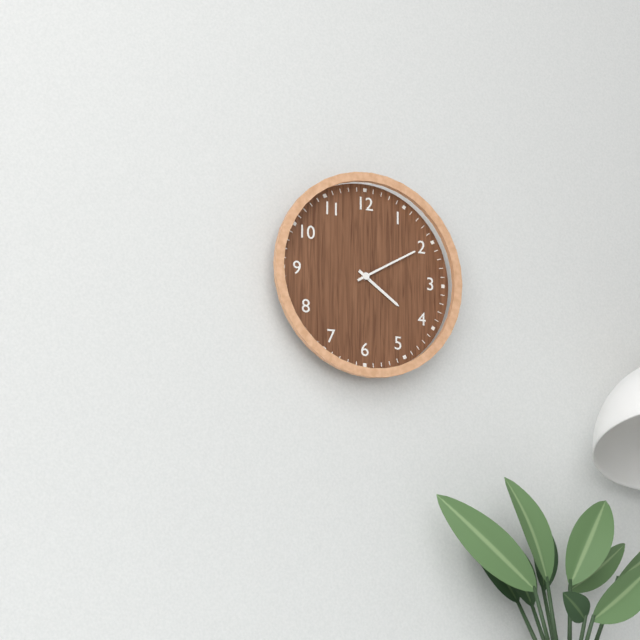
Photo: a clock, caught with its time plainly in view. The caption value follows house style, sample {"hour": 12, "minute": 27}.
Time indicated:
{"hour": 4, "minute": 10}
